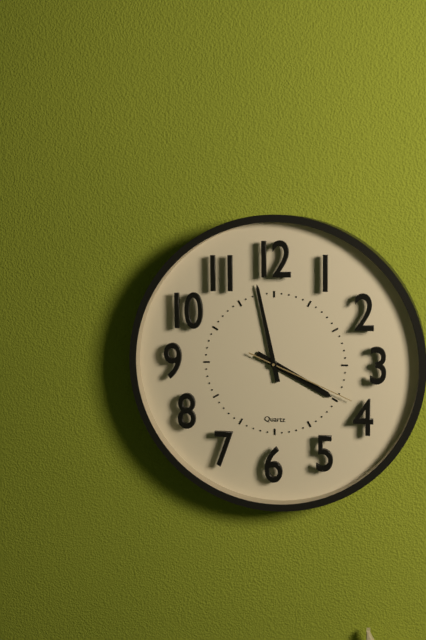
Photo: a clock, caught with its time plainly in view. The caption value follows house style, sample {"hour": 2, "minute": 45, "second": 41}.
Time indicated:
{"hour": 3, "minute": 58, "second": 19}
